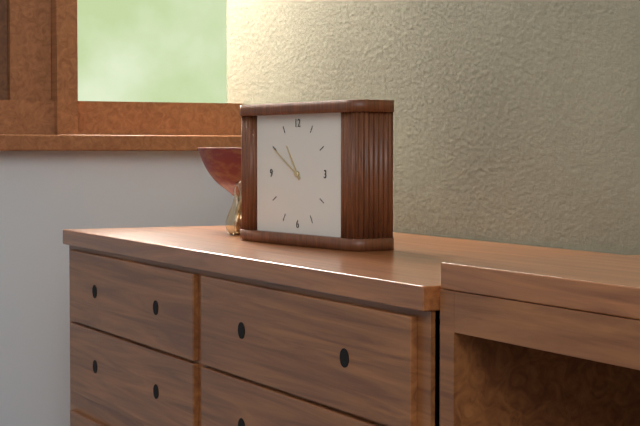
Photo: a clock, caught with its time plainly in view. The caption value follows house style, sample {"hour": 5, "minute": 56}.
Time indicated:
{"hour": 10, "minute": 50}
